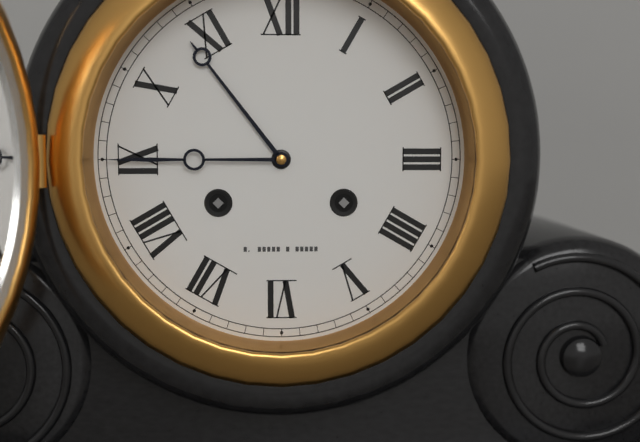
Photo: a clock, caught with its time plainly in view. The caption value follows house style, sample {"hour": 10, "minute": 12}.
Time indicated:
{"hour": 10, "minute": 45}
